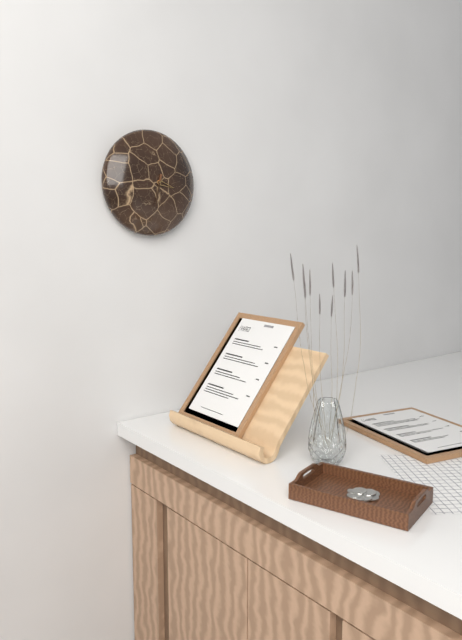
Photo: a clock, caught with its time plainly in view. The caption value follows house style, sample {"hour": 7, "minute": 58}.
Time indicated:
{"hour": 3, "minute": 32}
